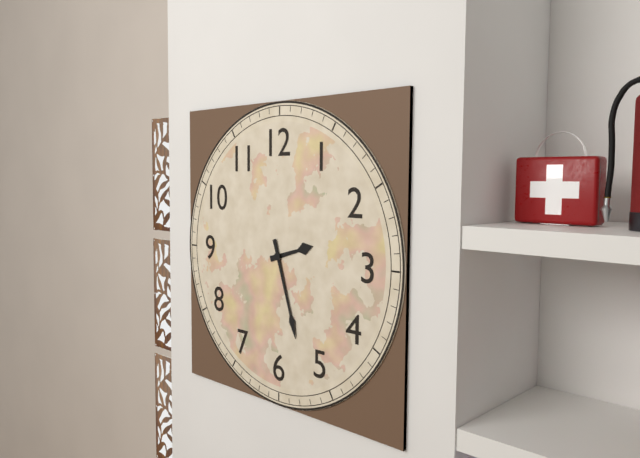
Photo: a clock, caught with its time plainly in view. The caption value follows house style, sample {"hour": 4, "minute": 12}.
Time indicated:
{"hour": 2, "minute": 27}
